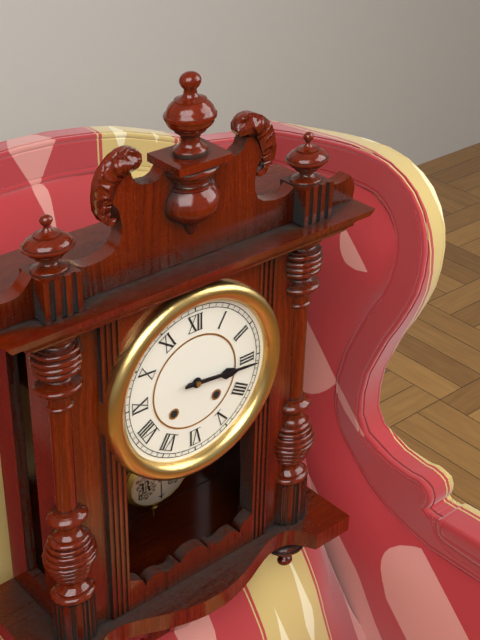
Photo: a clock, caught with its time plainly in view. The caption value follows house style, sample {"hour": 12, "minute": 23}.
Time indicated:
{"hour": 3, "minute": 16}
